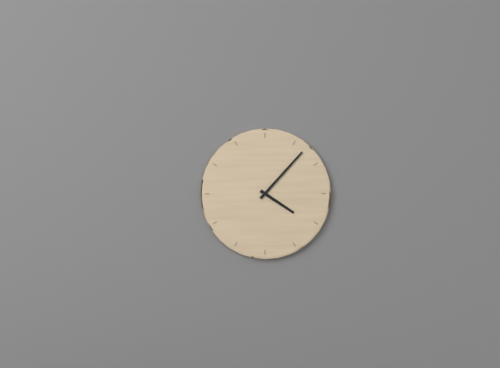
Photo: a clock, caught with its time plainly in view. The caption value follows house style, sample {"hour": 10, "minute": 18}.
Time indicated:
{"hour": 4, "minute": 7}
